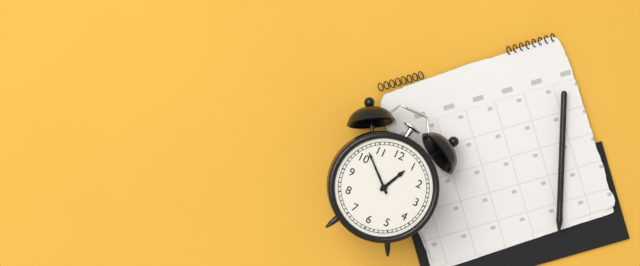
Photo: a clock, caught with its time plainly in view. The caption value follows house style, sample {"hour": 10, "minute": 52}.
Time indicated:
{"hour": 12, "minute": 52}
